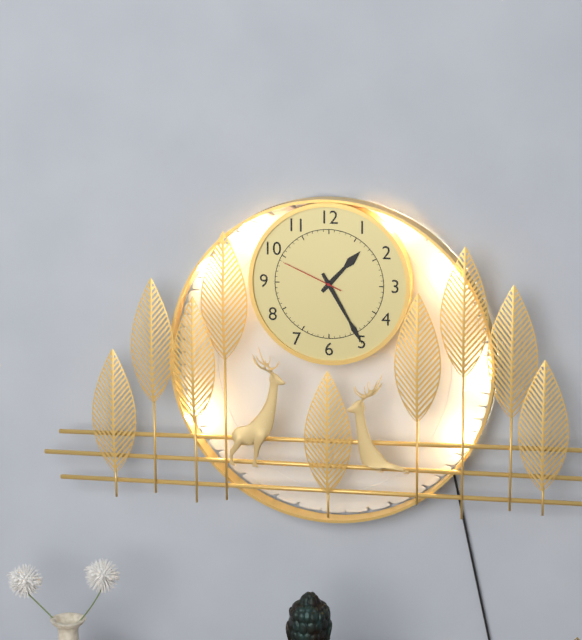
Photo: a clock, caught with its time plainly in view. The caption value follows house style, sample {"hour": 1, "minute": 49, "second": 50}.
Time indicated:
{"hour": 1, "minute": 25, "second": 49}
